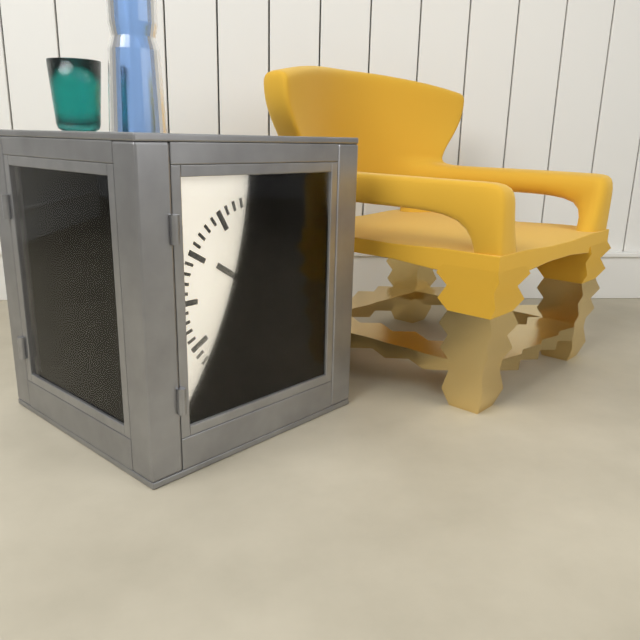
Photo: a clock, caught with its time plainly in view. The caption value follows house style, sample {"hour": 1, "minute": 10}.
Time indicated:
{"hour": 10, "minute": 4}
